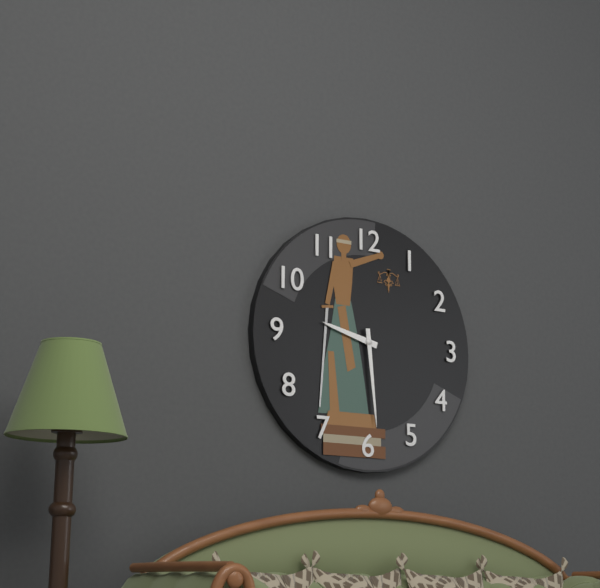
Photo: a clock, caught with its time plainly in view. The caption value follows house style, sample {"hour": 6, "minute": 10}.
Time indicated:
{"hour": 9, "minute": 29}
